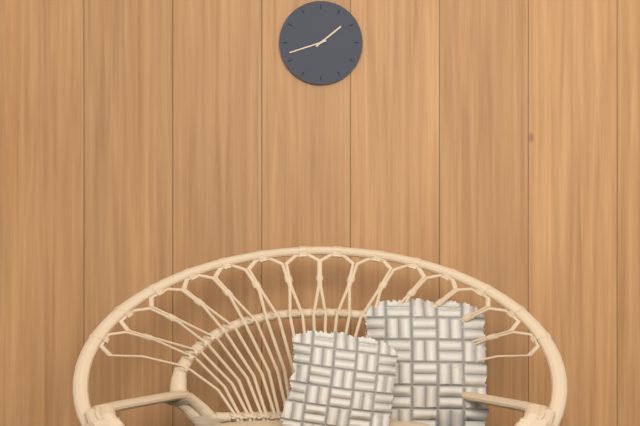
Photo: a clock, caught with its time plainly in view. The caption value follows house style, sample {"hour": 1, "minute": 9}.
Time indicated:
{"hour": 1, "minute": 42}
